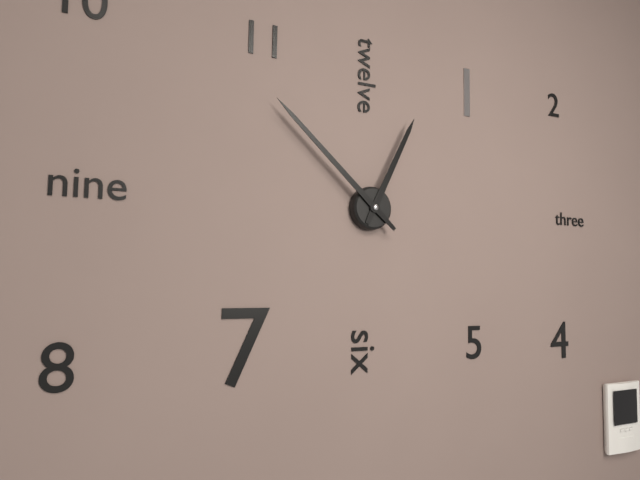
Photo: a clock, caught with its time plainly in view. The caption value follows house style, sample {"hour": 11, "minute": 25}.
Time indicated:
{"hour": 12, "minute": 52}
